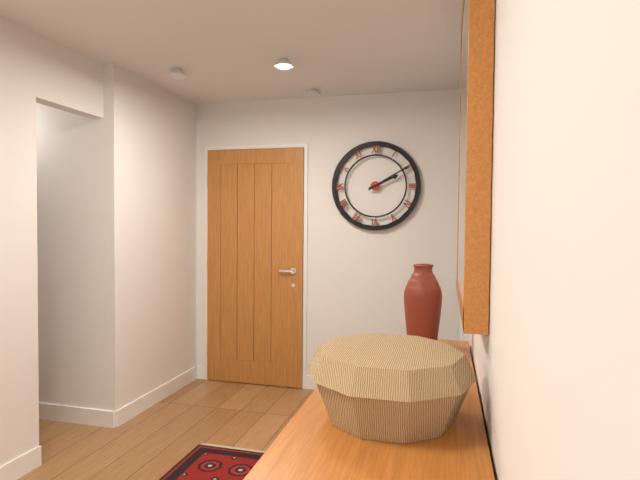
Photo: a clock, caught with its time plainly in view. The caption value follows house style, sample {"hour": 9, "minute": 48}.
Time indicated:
{"hour": 2, "minute": 10}
